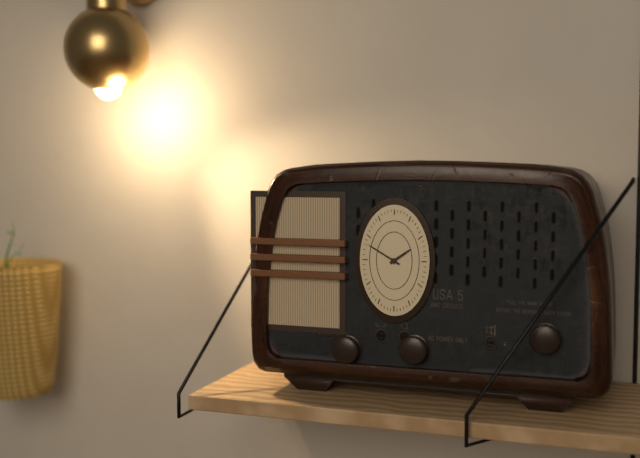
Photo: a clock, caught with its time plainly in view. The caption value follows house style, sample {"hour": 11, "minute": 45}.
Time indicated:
{"hour": 1, "minute": 50}
